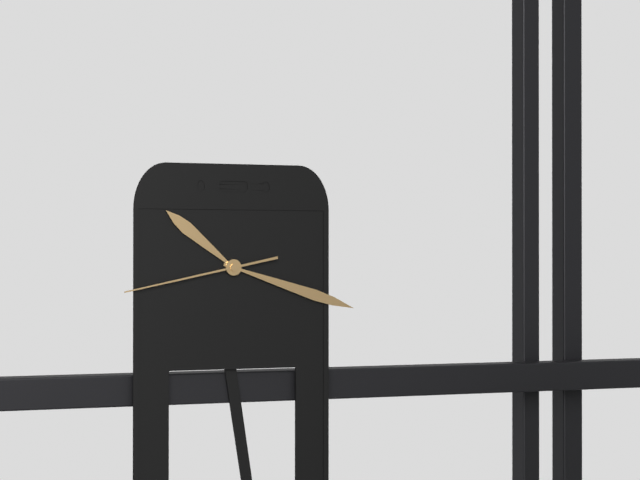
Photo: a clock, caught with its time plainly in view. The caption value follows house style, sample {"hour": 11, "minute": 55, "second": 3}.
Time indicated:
{"hour": 10, "minute": 18, "second": 43}
